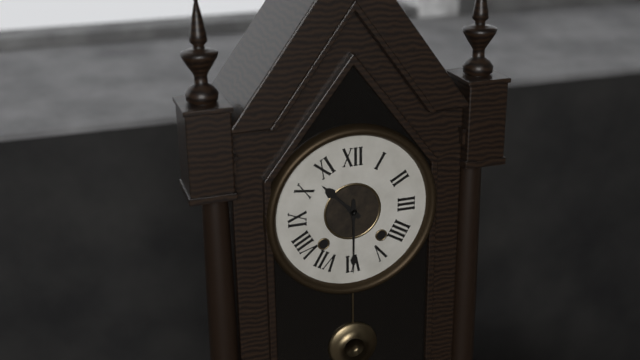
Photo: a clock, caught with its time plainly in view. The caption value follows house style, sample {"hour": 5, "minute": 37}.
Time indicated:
{"hour": 10, "minute": 30}
